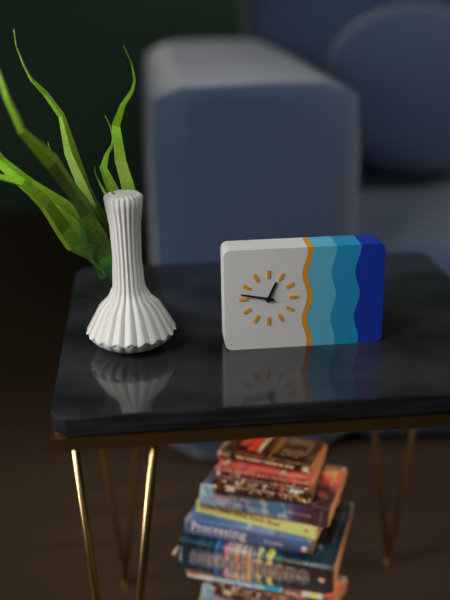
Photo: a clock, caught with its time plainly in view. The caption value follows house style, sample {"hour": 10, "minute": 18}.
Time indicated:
{"hour": 12, "minute": 47}
